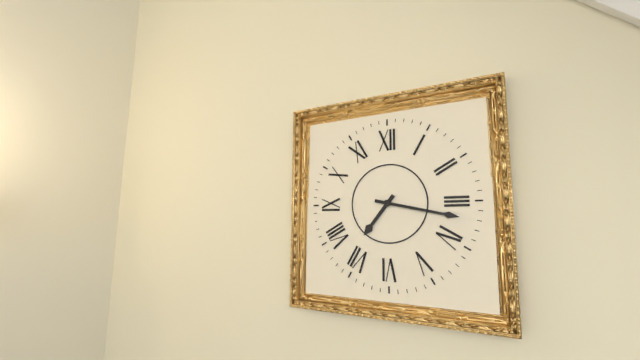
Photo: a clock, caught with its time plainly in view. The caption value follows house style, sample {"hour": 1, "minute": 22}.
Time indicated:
{"hour": 7, "minute": 17}
